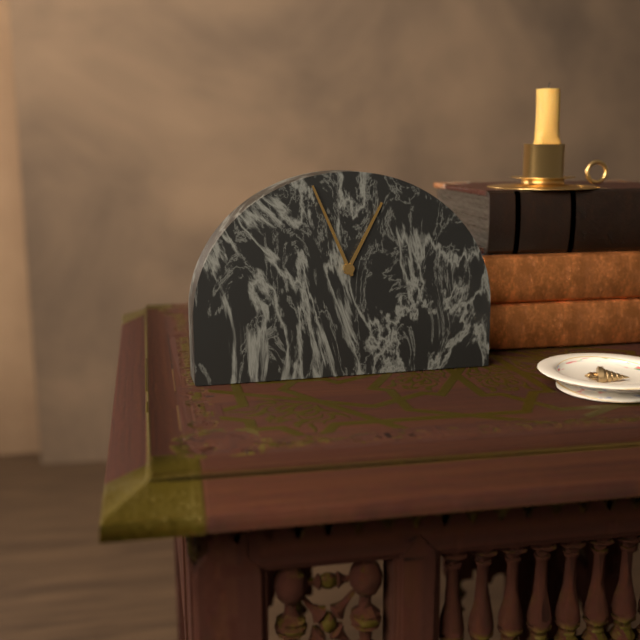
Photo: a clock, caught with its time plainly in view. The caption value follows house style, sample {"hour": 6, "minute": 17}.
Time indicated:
{"hour": 12, "minute": 56}
